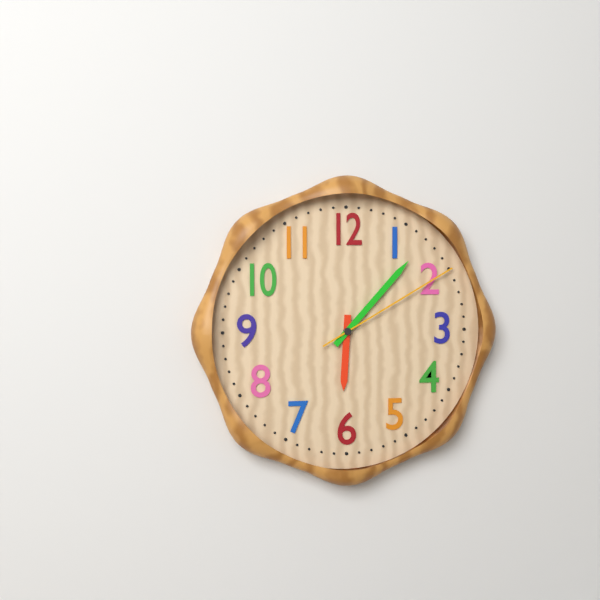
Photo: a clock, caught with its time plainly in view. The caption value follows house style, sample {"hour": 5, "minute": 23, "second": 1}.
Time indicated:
{"hour": 6, "minute": 7, "second": 10}
